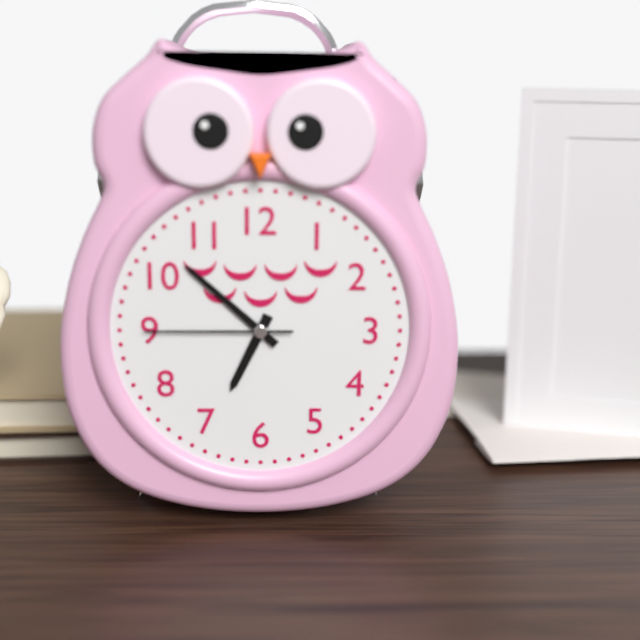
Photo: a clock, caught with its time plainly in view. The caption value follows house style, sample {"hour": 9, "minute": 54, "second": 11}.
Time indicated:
{"hour": 6, "minute": 52, "second": 45}
